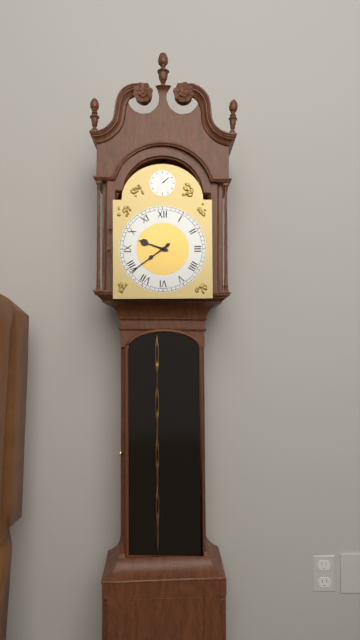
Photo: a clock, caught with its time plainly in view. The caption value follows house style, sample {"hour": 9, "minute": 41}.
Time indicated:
{"hour": 9, "minute": 39}
